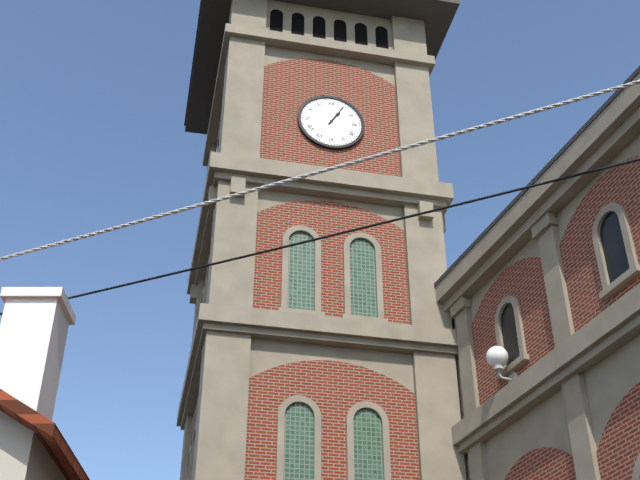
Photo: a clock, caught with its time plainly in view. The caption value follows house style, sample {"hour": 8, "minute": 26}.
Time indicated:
{"hour": 1, "minute": 5}
